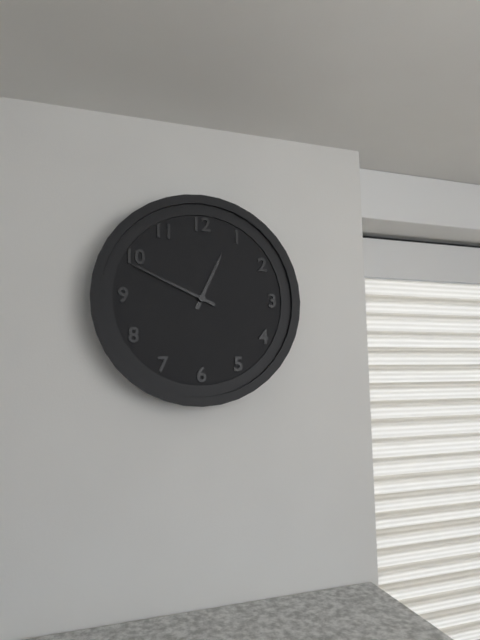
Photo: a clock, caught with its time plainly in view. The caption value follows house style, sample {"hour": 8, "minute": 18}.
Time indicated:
{"hour": 12, "minute": 49}
